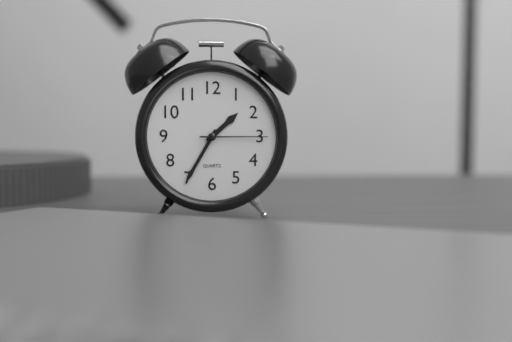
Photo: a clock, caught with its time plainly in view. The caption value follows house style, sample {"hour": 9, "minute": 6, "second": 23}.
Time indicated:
{"hour": 1, "minute": 35, "second": 15}
